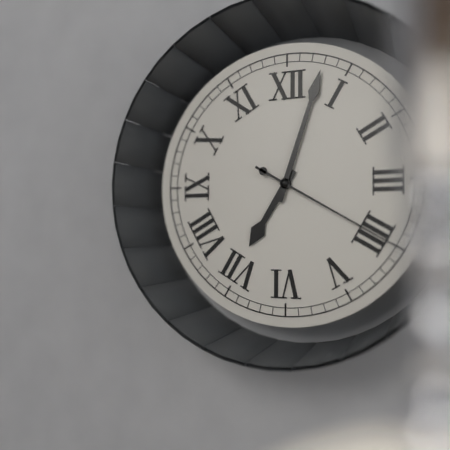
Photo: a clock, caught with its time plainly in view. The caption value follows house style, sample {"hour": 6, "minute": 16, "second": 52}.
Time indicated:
{"hour": 7, "minute": 3, "second": 20}
